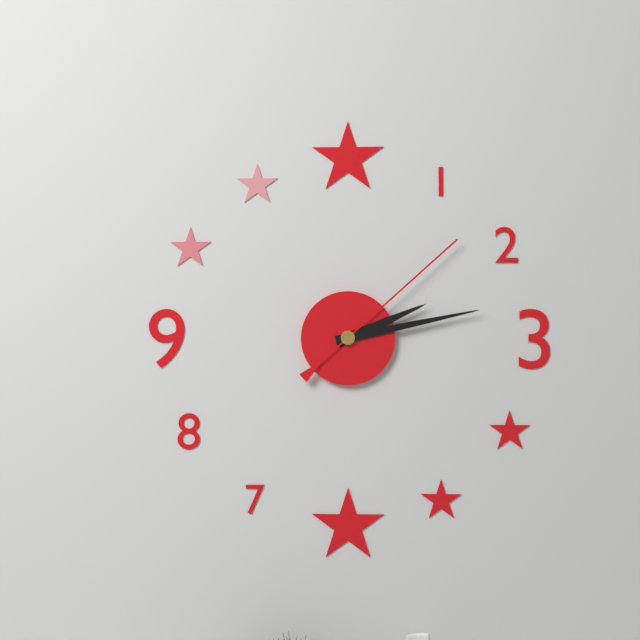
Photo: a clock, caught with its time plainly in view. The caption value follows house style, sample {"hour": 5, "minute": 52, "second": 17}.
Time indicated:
{"hour": 2, "minute": 13, "second": 8}
